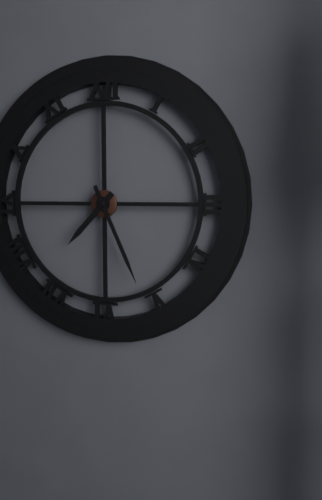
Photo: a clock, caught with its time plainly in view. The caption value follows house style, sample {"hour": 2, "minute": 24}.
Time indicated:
{"hour": 7, "minute": 26}
